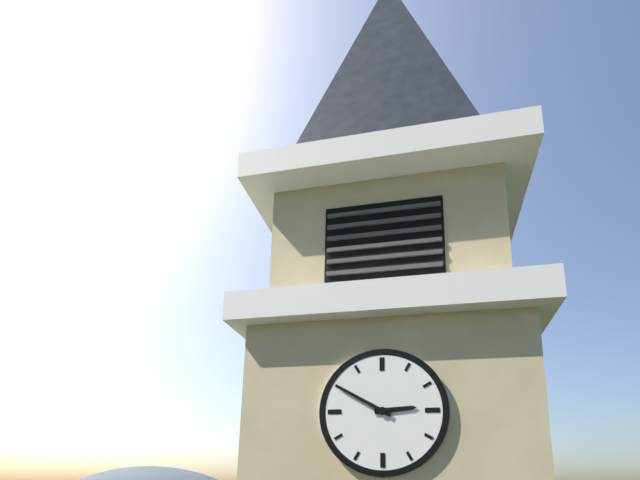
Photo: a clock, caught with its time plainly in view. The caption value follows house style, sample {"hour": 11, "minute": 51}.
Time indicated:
{"hour": 2, "minute": 50}
